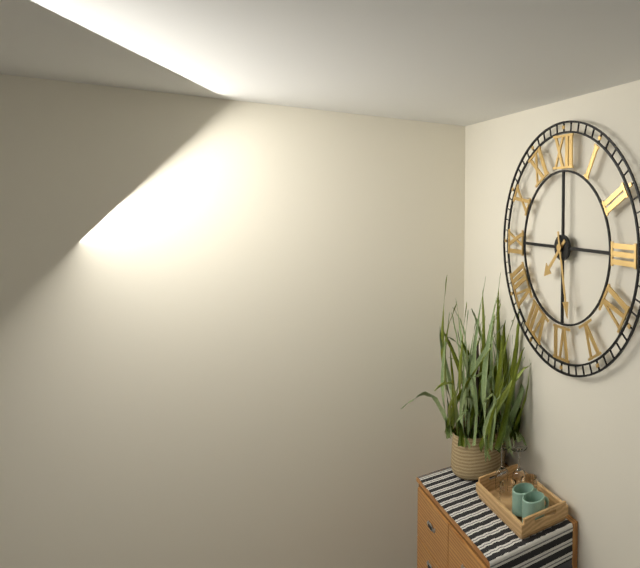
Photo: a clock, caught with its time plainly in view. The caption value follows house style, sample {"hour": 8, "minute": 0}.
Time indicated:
{"hour": 7, "minute": 28}
